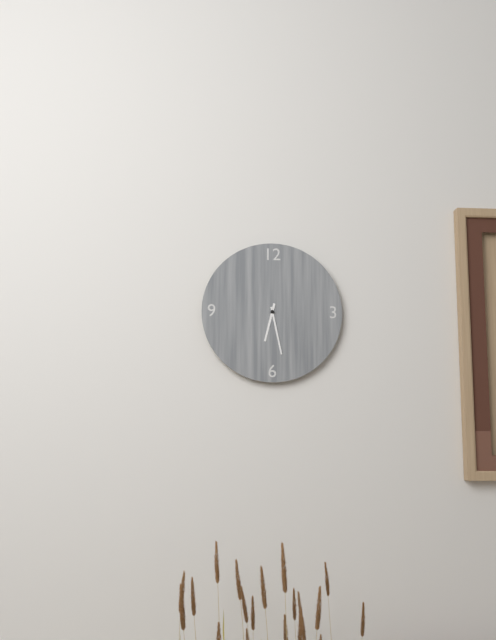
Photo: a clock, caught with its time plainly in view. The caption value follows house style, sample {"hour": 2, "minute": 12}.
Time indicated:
{"hour": 6, "minute": 28}
